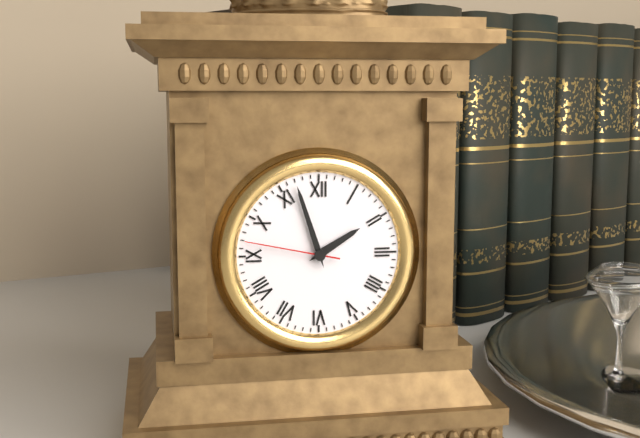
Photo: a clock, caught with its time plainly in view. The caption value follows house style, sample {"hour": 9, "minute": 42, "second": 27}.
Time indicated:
{"hour": 1, "minute": 57, "second": 47}
